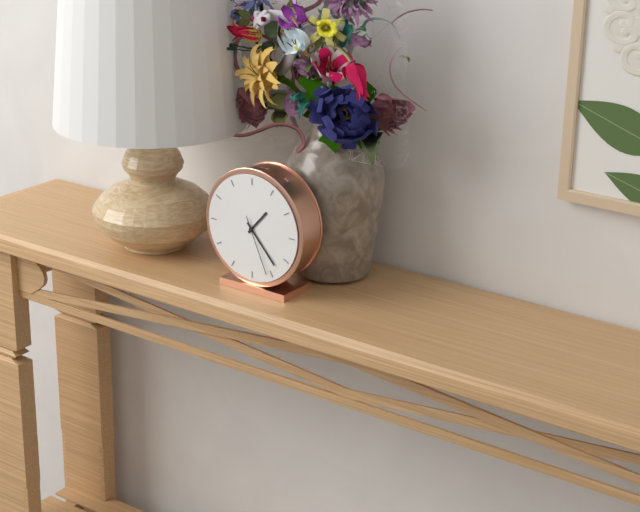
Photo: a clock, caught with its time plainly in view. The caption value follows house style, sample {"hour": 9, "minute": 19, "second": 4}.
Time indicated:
{"hour": 1, "minute": 23, "second": 26}
